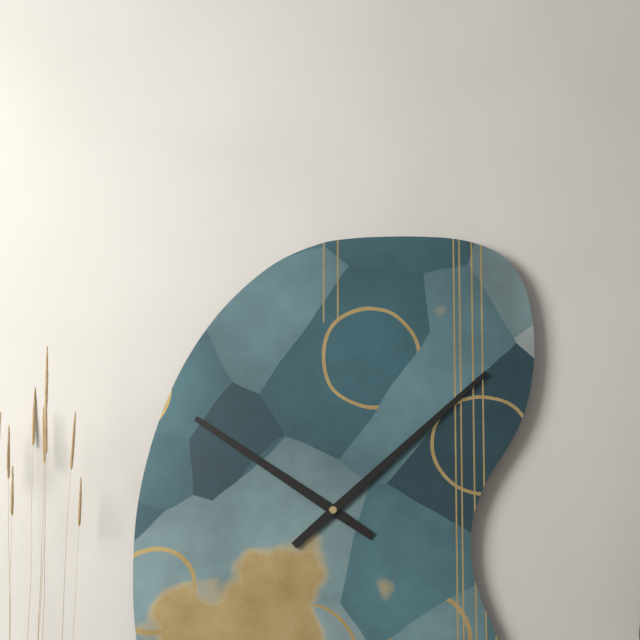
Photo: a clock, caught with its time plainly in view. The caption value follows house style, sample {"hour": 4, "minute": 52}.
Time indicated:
{"hour": 10, "minute": 8}
